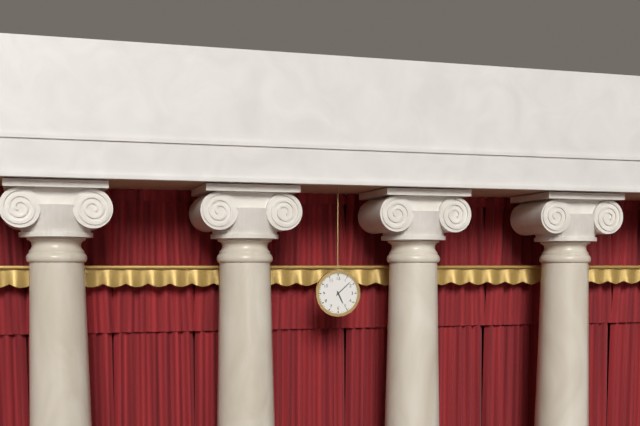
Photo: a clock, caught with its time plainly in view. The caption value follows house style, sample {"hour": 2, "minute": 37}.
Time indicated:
{"hour": 5, "minute": 8}
